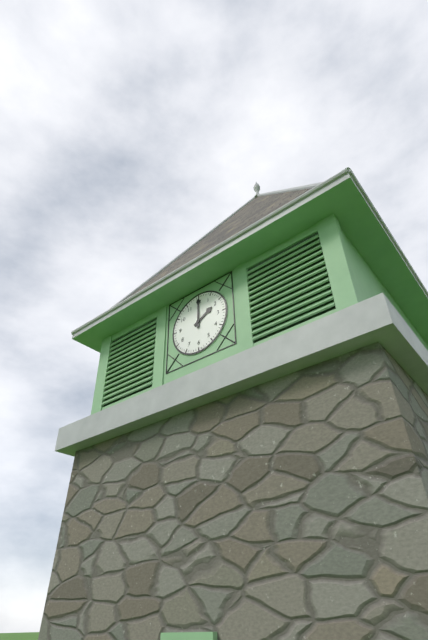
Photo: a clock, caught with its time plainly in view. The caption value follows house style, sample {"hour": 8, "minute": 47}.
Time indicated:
{"hour": 2, "minute": 0}
